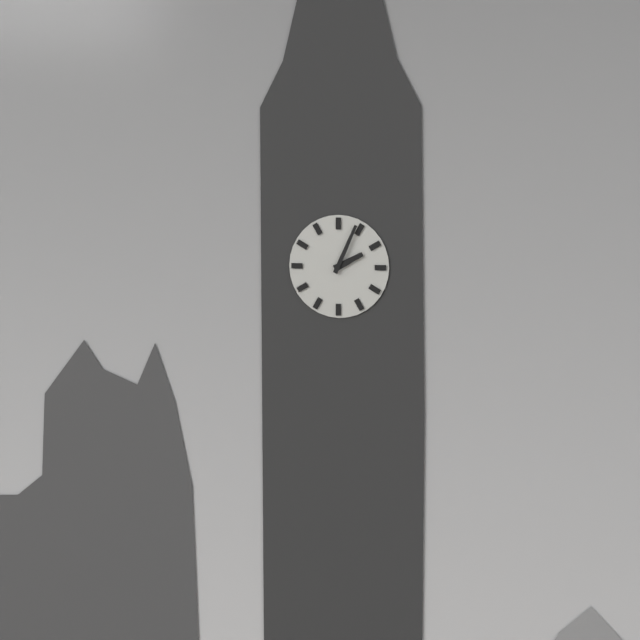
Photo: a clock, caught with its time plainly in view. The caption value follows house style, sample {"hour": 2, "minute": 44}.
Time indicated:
{"hour": 2, "minute": 4}
